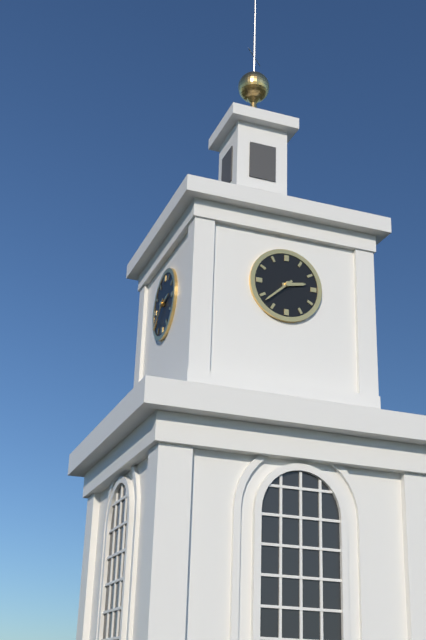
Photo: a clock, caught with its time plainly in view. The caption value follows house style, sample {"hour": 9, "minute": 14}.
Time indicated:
{"hour": 2, "minute": 38}
